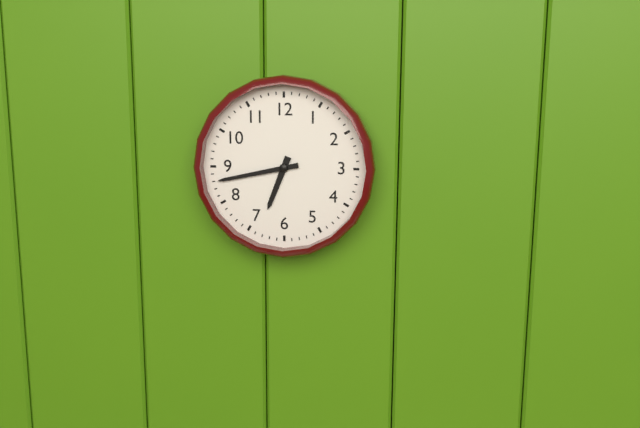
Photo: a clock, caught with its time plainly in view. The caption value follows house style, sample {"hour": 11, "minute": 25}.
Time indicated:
{"hour": 6, "minute": 43}
